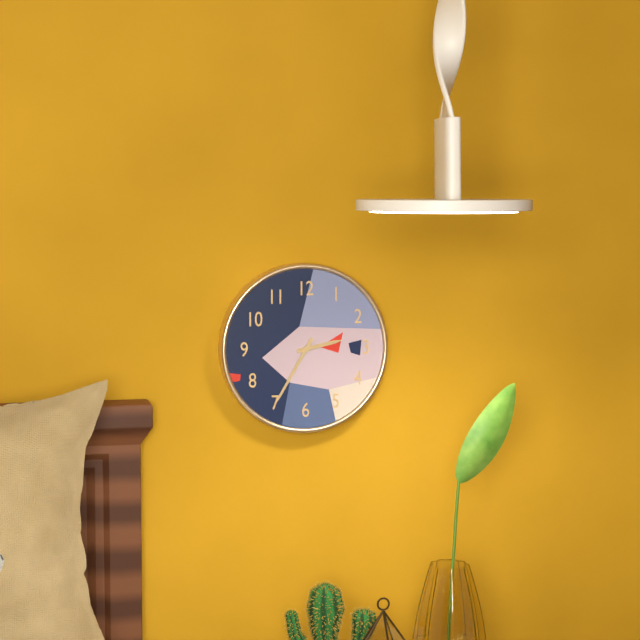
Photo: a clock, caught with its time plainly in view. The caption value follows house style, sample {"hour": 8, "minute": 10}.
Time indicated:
{"hour": 2, "minute": 35}
